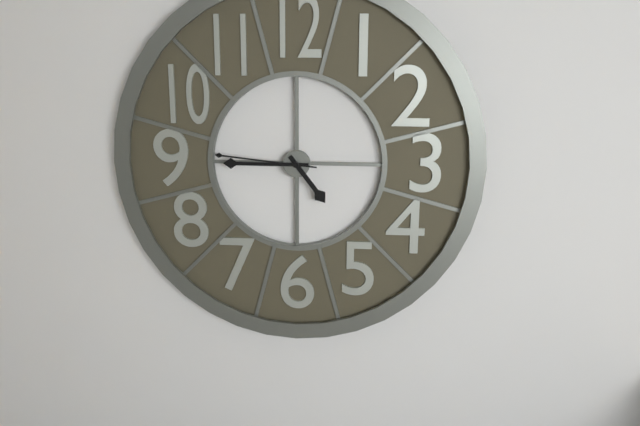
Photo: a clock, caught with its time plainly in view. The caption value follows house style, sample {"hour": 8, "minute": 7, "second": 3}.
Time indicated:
{"hour": 4, "minute": 45, "second": 46}
